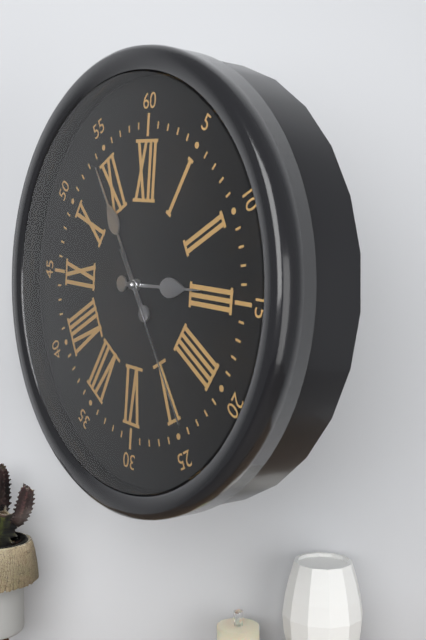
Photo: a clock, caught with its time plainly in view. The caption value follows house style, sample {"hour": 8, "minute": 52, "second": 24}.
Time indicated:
{"hour": 2, "minute": 54, "second": 24}
